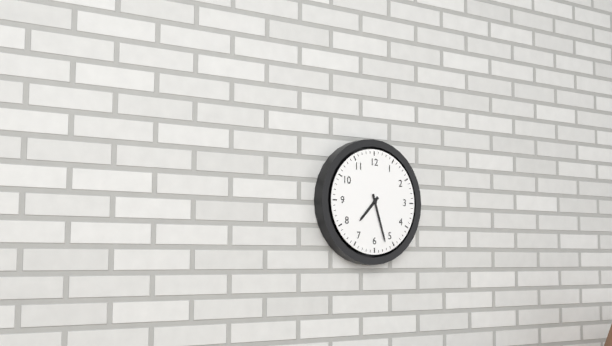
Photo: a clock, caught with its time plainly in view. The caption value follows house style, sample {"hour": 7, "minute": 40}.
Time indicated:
{"hour": 7, "minute": 27}
